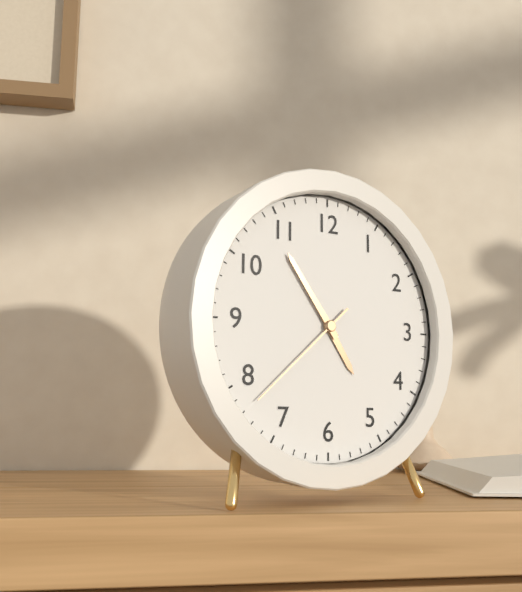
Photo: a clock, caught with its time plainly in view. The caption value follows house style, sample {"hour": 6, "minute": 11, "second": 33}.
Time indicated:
{"hour": 4, "minute": 54, "second": 38}
